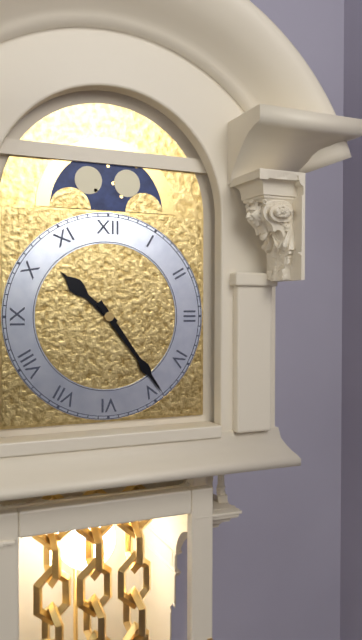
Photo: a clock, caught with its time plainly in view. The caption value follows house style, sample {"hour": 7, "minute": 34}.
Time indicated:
{"hour": 10, "minute": 24}
